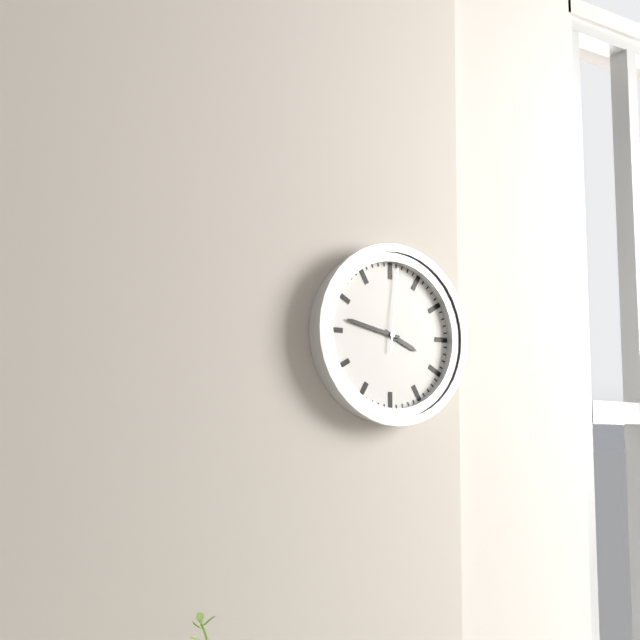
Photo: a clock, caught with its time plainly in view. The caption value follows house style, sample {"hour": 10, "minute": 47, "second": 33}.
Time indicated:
{"hour": 3, "minute": 47, "second": 1}
